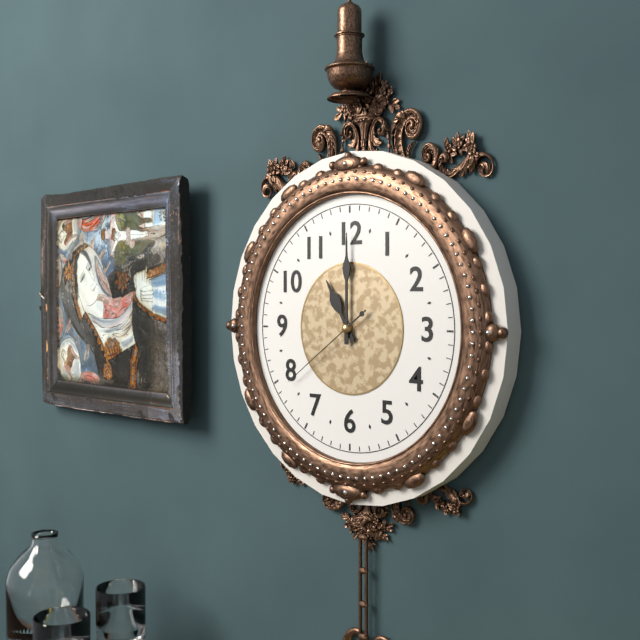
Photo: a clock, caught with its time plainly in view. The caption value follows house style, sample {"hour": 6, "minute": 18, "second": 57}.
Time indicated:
{"hour": 11, "minute": 0, "second": 39}
